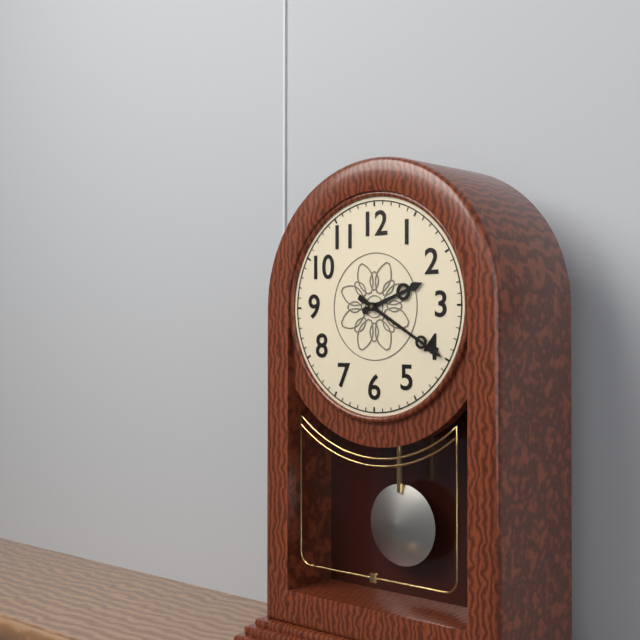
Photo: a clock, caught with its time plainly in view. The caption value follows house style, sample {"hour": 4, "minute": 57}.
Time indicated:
{"hour": 2, "minute": 20}
